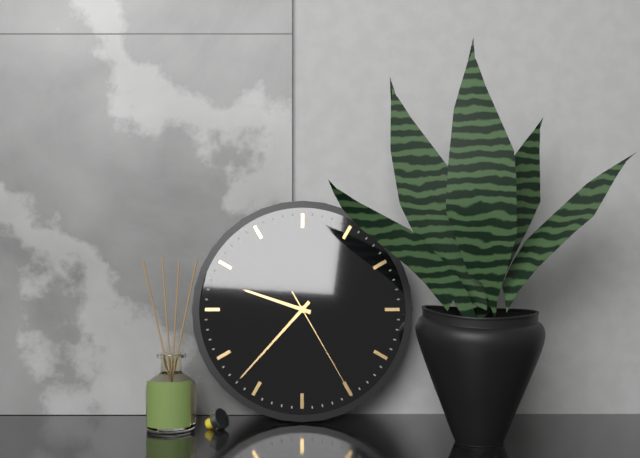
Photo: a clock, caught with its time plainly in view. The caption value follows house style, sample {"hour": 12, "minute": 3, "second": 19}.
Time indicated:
{"hour": 9, "minute": 37, "second": 25}
